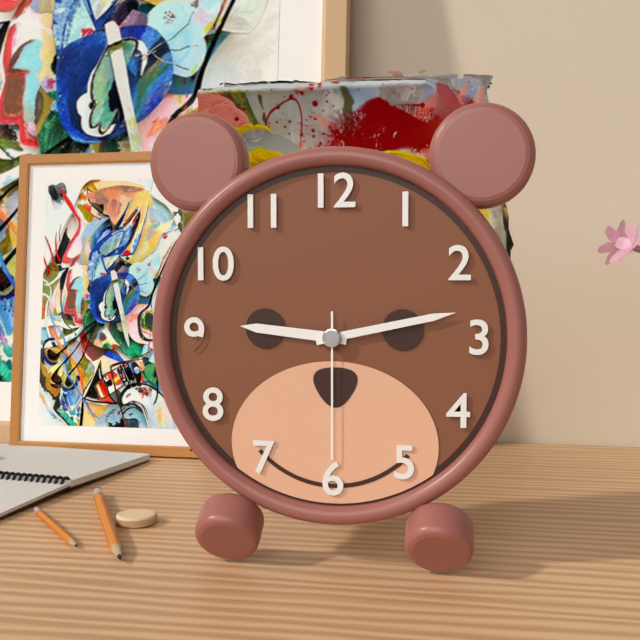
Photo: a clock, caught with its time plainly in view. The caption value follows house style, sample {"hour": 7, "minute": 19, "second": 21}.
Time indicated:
{"hour": 9, "minute": 13, "second": 30}
